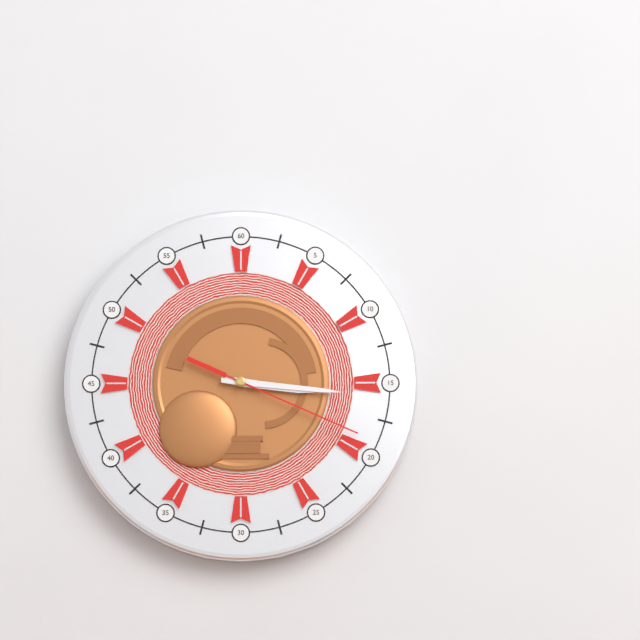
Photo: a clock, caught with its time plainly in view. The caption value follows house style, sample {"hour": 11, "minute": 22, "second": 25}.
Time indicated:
{"hour": 3, "minute": 16, "second": 19}
